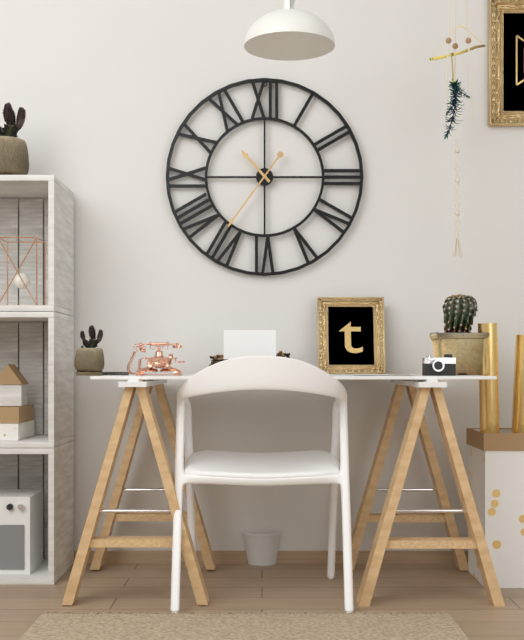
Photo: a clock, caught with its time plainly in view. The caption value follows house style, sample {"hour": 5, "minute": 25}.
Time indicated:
{"hour": 10, "minute": 36}
